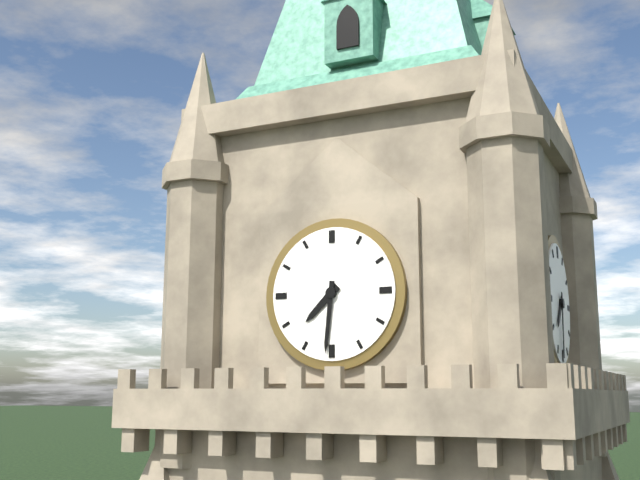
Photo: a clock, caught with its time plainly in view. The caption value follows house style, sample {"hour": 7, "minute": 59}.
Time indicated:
{"hour": 7, "minute": 31}
